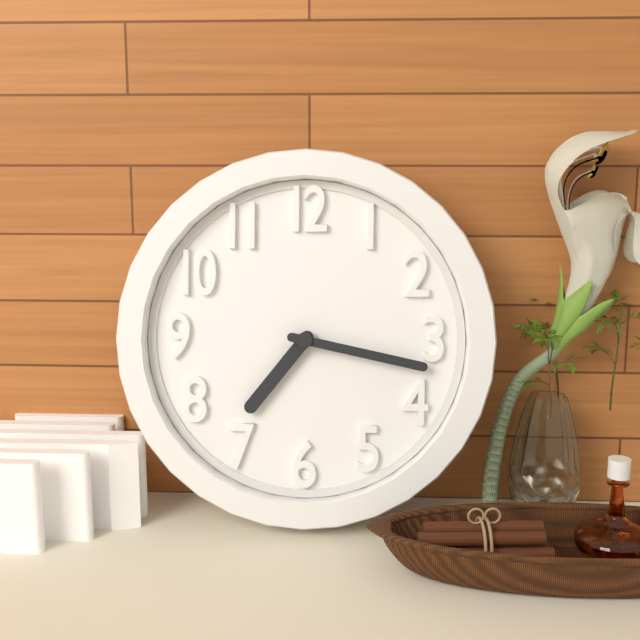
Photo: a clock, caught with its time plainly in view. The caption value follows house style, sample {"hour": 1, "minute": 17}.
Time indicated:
{"hour": 7, "minute": 17}
